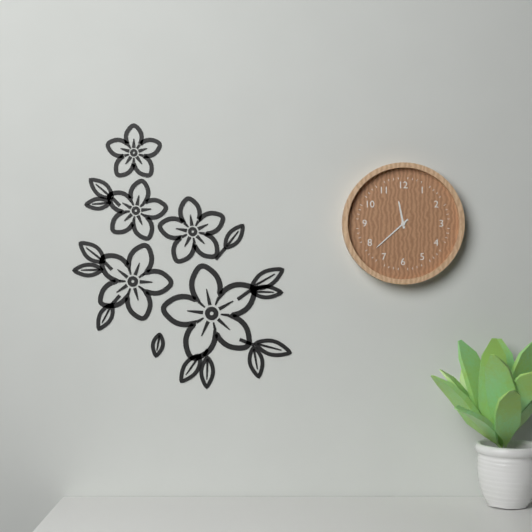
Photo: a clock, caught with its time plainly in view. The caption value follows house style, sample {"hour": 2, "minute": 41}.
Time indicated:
{"hour": 11, "minute": 38}
